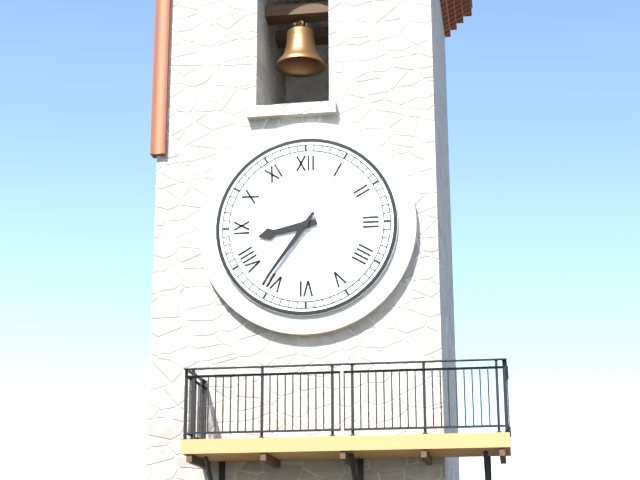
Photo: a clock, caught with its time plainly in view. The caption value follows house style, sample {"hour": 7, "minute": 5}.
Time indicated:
{"hour": 8, "minute": 36}
